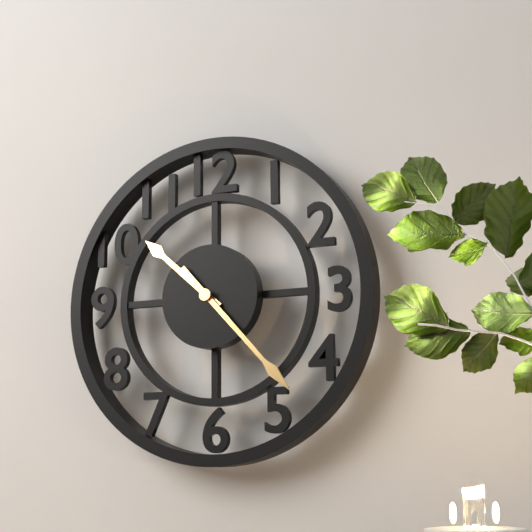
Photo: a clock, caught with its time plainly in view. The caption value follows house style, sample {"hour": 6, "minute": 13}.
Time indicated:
{"hour": 10, "minute": 23}
